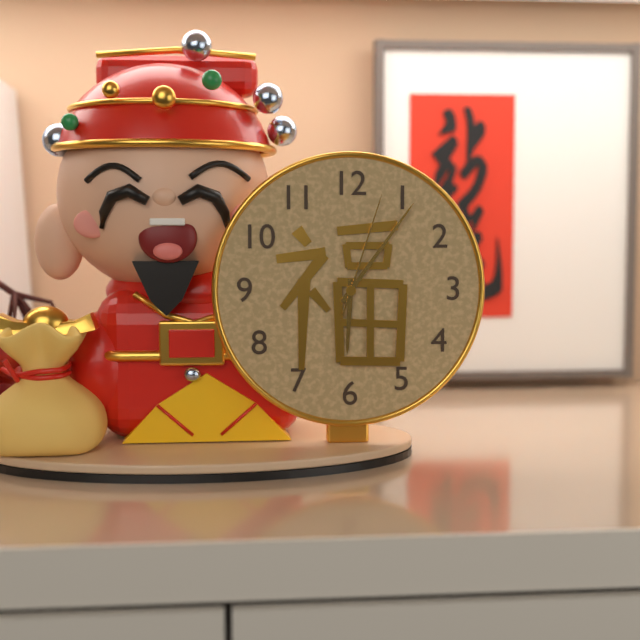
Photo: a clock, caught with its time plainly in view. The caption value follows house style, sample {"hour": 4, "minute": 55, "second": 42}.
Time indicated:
{"hour": 6, "minute": 6, "second": 3}
